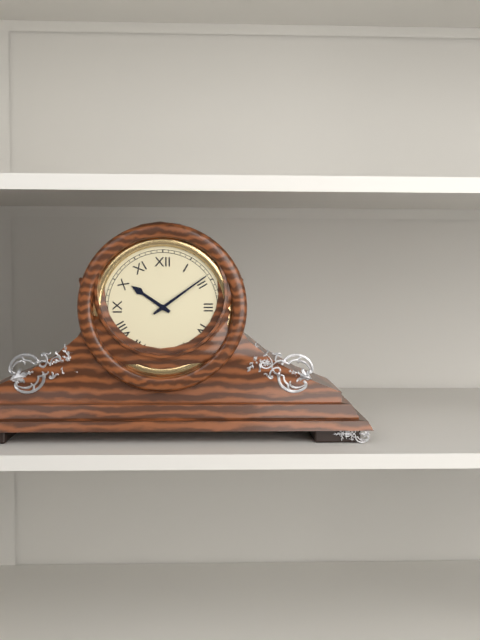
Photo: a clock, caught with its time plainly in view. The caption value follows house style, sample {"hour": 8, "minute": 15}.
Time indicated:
{"hour": 10, "minute": 9}
